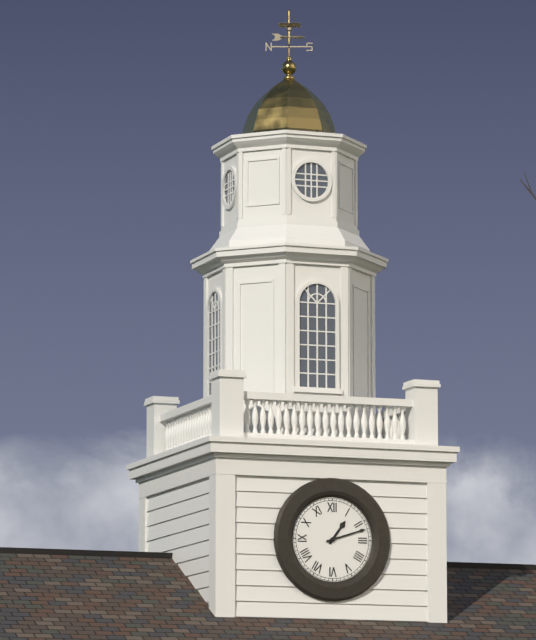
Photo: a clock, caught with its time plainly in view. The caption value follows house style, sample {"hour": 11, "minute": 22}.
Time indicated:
{"hour": 1, "minute": 12}
